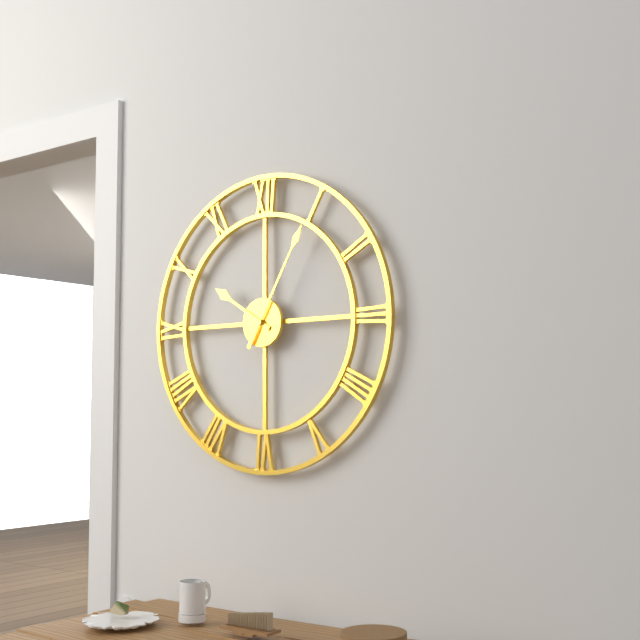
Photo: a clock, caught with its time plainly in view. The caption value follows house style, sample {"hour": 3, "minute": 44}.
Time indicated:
{"hour": 10, "minute": 5}
